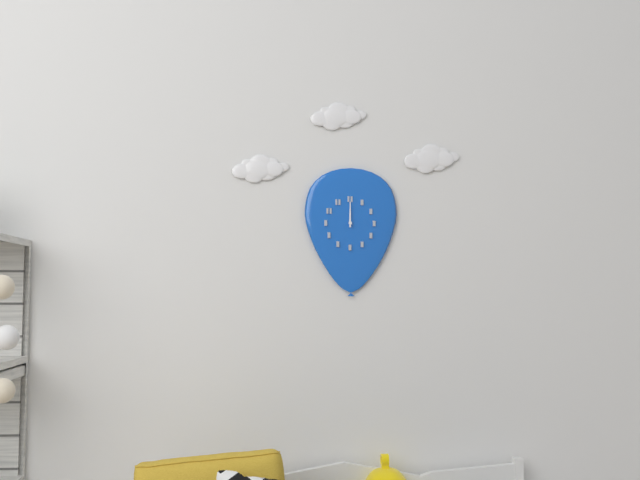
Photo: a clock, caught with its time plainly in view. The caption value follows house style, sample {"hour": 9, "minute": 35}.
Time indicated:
{"hour": 12, "minute": 0}
